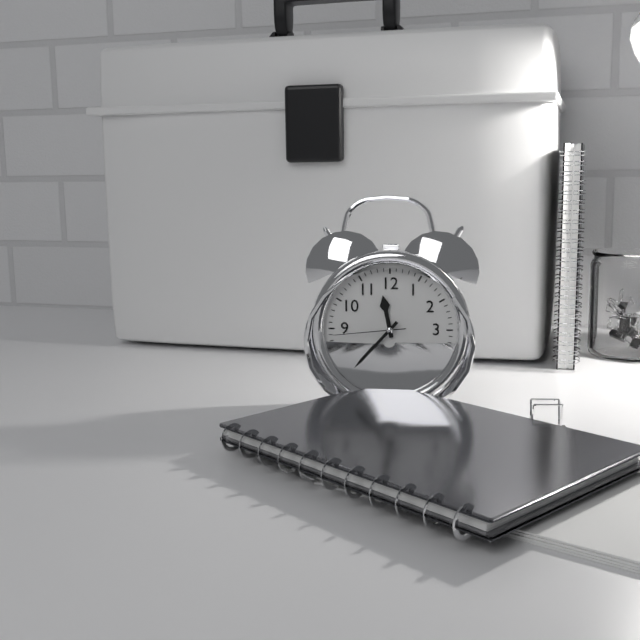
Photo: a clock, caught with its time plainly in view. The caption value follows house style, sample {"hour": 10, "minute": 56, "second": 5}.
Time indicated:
{"hour": 11, "minute": 37, "second": 44}
